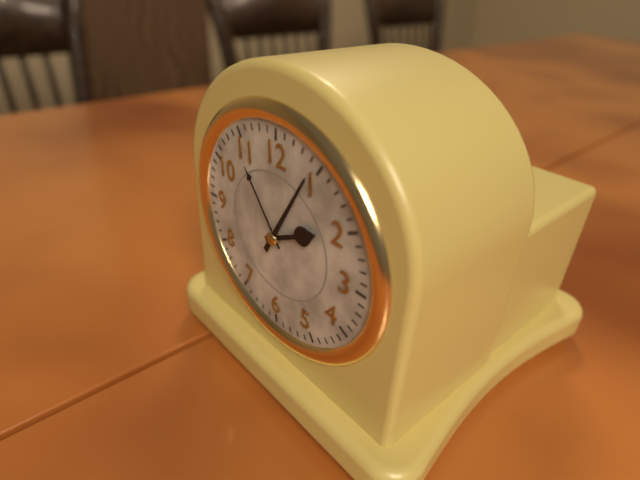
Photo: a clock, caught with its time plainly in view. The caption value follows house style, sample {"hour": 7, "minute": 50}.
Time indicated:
{"hour": 2, "minute": 5}
